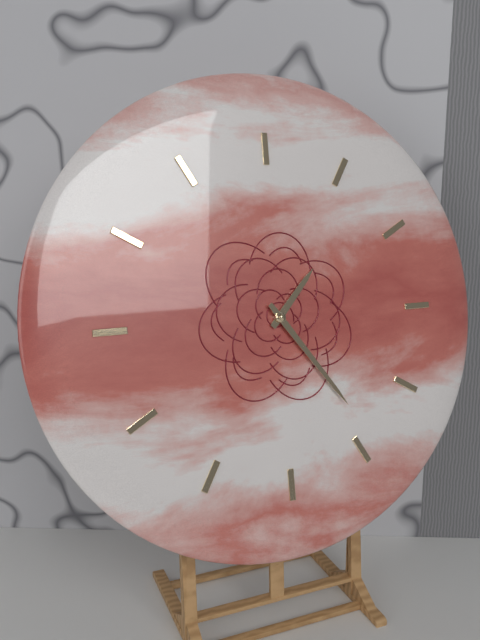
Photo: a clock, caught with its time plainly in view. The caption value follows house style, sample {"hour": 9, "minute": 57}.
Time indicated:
{"hour": 1, "minute": 24}
